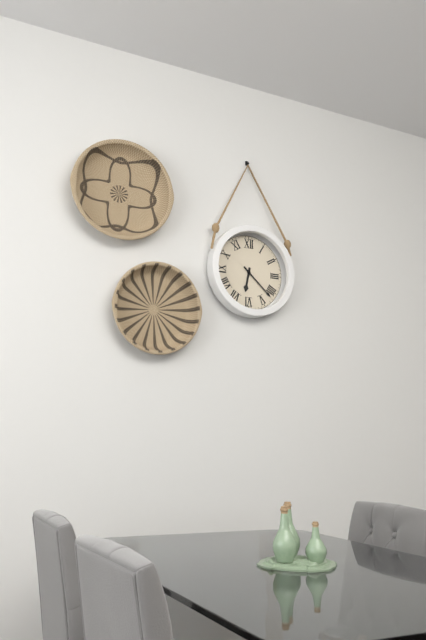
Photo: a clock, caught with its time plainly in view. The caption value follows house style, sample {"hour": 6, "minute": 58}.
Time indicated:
{"hour": 6, "minute": 22}
